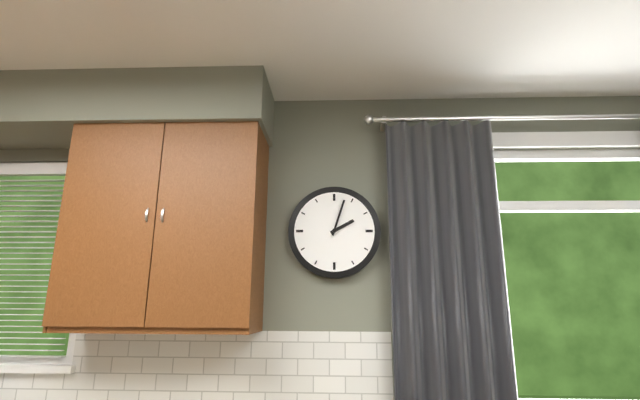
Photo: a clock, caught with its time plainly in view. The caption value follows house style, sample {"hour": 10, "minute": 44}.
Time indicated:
{"hour": 2, "minute": 3}
